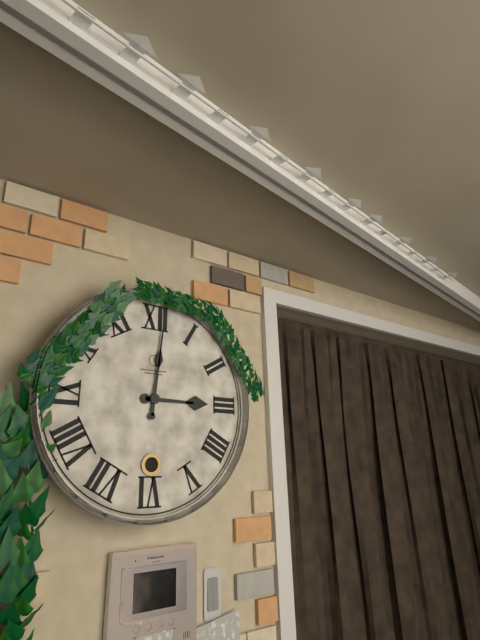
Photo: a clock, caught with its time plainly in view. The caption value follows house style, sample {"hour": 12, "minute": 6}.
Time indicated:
{"hour": 3, "minute": 1}
